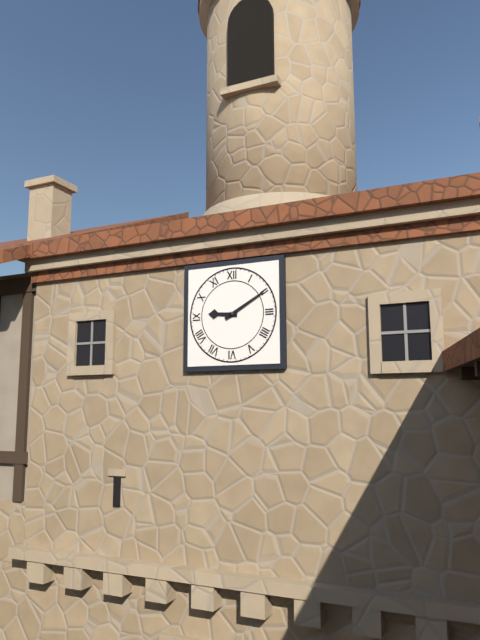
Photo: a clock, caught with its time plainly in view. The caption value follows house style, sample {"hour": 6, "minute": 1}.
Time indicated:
{"hour": 9, "minute": 10}
